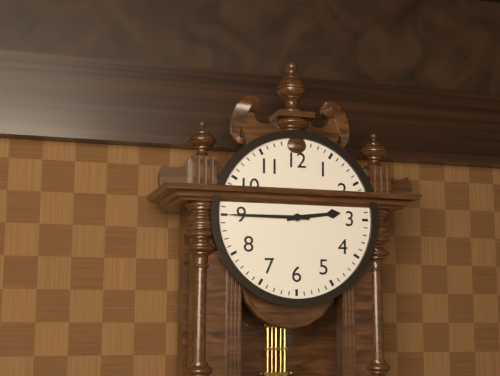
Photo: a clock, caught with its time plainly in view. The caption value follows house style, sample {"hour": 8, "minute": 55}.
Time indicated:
{"hour": 2, "minute": 45}
